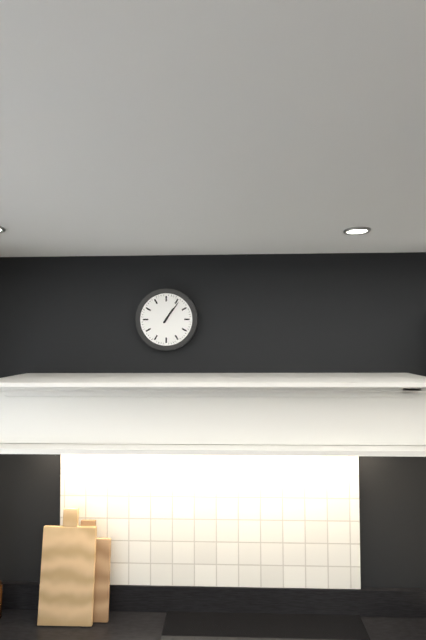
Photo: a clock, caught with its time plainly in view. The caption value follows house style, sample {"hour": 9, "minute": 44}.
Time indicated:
{"hour": 1, "minute": 6}
